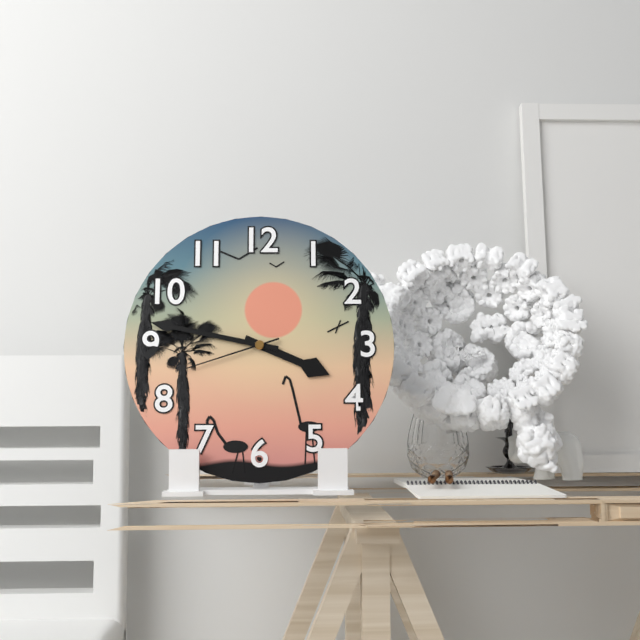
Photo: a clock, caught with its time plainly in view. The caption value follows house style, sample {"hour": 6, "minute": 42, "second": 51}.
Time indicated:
{"hour": 3, "minute": 47, "second": 42}
